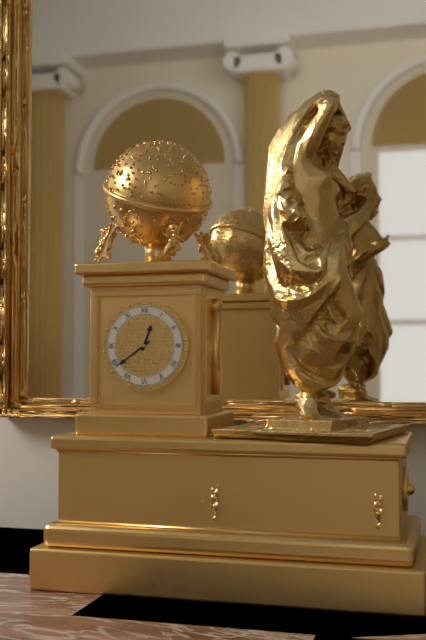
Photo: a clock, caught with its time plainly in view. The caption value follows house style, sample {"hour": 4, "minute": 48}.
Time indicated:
{"hour": 12, "minute": 39}
